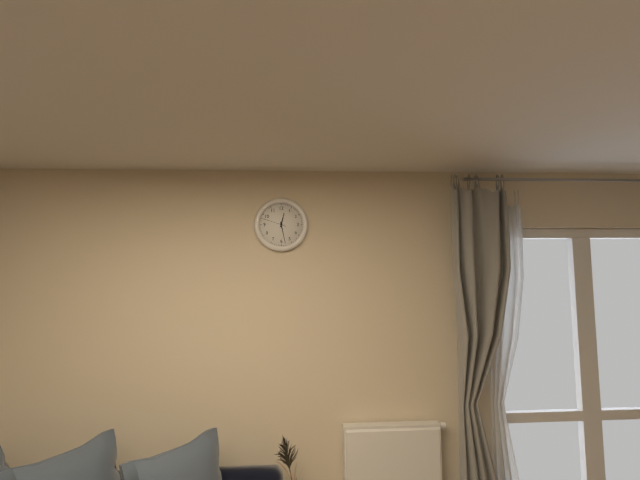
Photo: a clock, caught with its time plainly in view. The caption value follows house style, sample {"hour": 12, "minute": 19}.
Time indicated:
{"hour": 12, "minute": 28}
